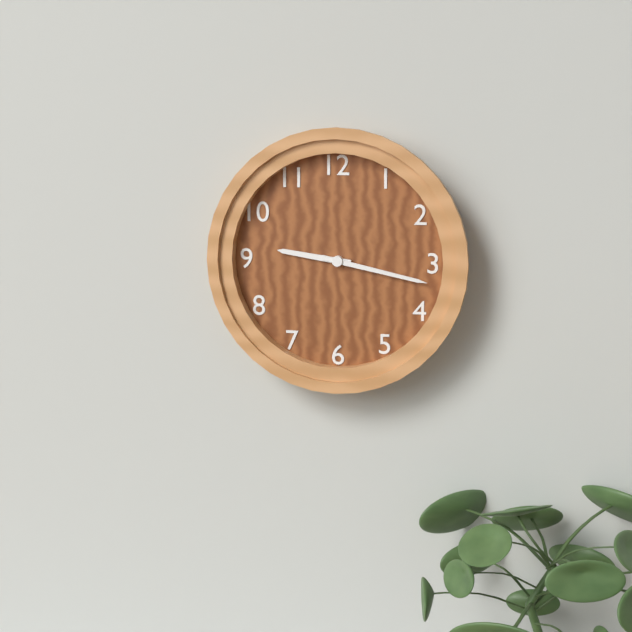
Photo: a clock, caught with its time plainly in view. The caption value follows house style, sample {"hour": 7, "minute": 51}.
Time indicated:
{"hour": 9, "minute": 17}
